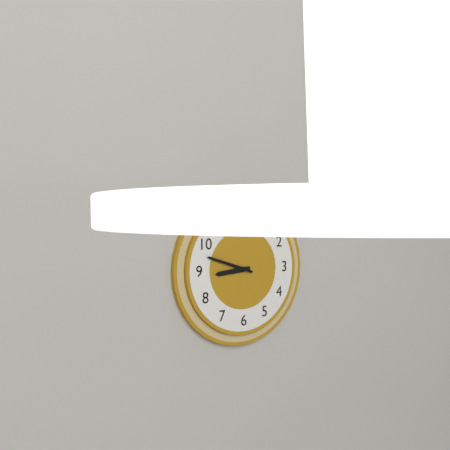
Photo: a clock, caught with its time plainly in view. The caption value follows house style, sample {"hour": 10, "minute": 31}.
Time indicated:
{"hour": 8, "minute": 48}
